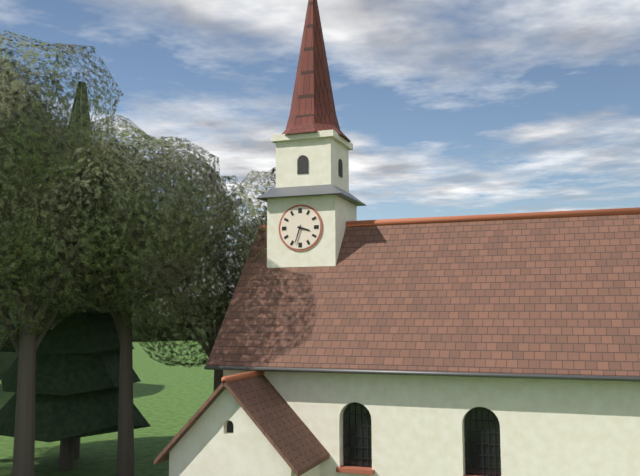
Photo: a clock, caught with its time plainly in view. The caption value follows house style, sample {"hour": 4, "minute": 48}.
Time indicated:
{"hour": 3, "minute": 33}
